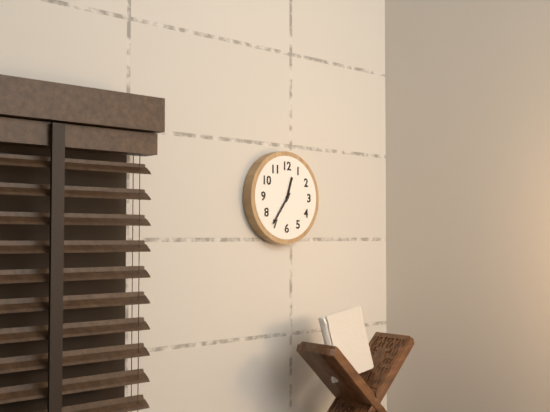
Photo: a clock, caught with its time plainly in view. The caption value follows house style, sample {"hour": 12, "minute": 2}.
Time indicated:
{"hour": 12, "minute": 36}
